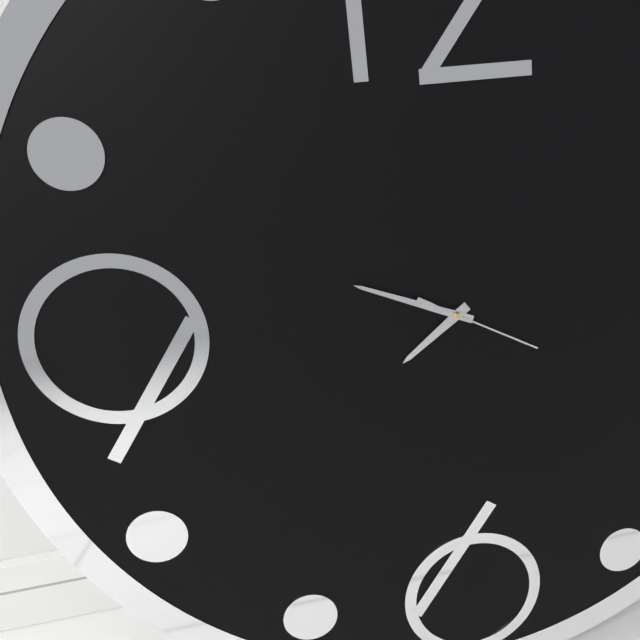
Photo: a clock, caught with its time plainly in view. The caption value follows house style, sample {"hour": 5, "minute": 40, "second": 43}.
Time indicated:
{"hour": 7, "minute": 49, "second": 20}
